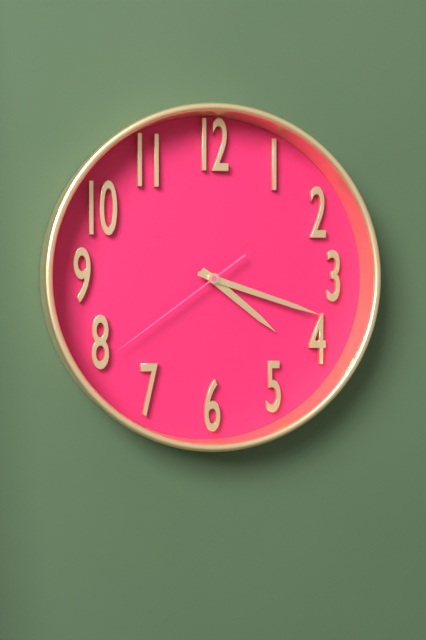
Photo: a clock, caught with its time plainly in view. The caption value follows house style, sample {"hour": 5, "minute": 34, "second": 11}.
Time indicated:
{"hour": 4, "minute": 18, "second": 39}
